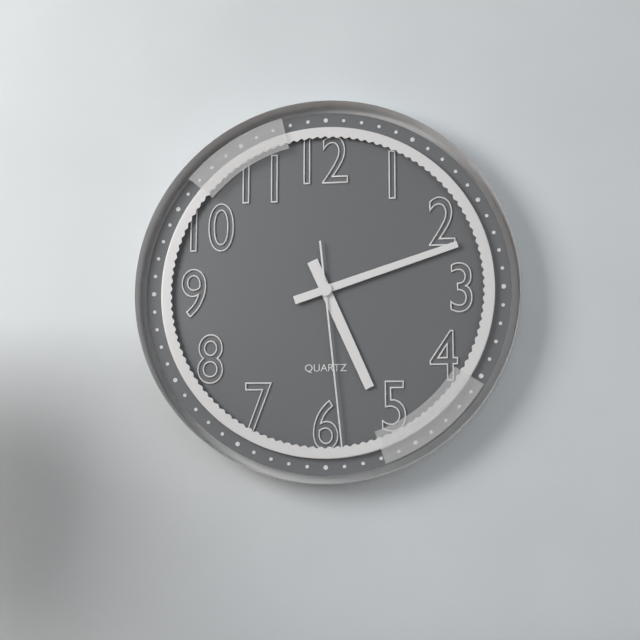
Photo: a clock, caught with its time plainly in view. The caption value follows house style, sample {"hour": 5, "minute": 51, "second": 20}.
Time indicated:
{"hour": 5, "minute": 12, "second": 29}
